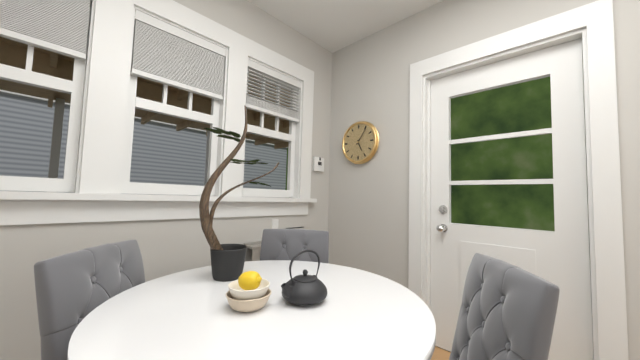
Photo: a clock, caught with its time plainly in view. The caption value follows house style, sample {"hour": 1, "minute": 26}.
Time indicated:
{"hour": 5, "minute": 6}
